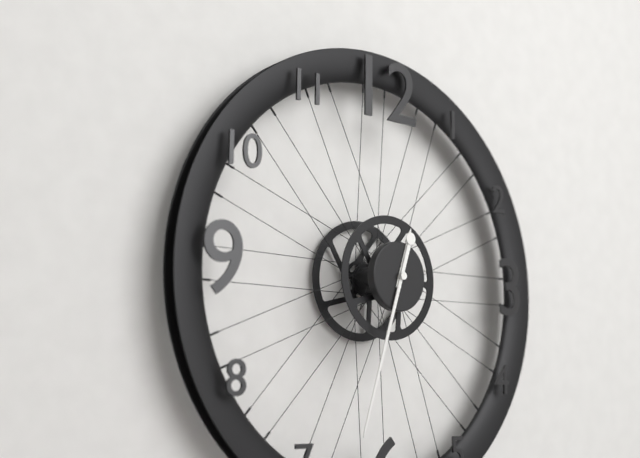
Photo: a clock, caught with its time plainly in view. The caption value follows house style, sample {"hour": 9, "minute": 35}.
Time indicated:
{"hour": 12, "minute": 33}
